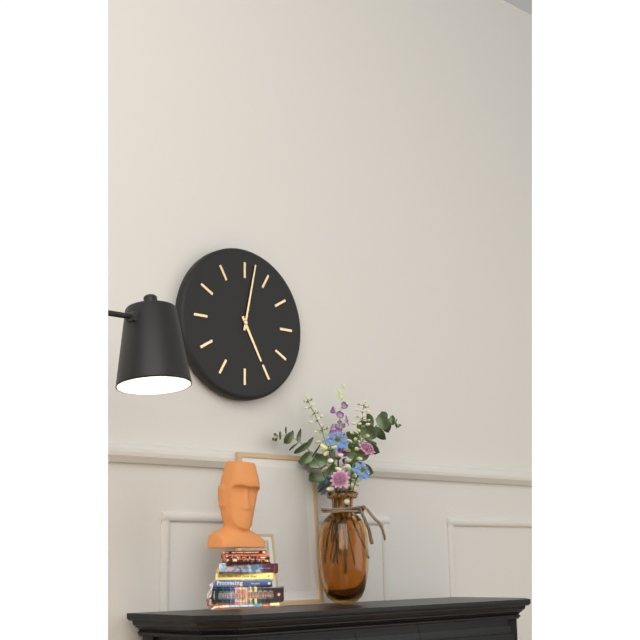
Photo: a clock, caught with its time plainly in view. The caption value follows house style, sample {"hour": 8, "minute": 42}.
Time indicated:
{"hour": 5, "minute": 2}
